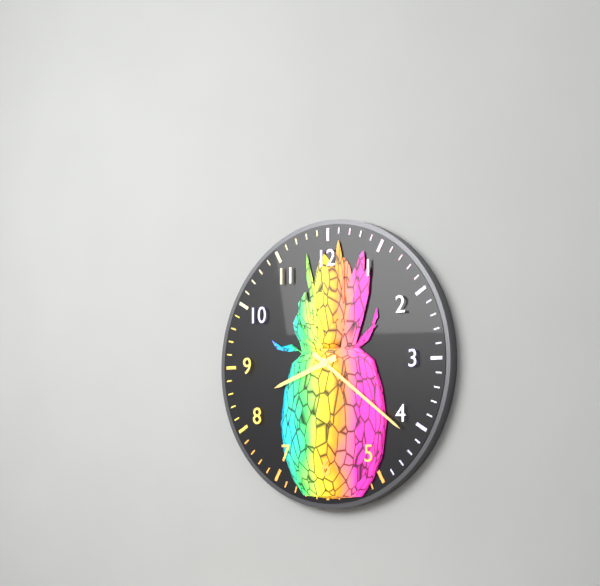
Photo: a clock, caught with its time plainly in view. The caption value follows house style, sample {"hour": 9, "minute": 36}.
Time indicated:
{"hour": 8, "minute": 21}
